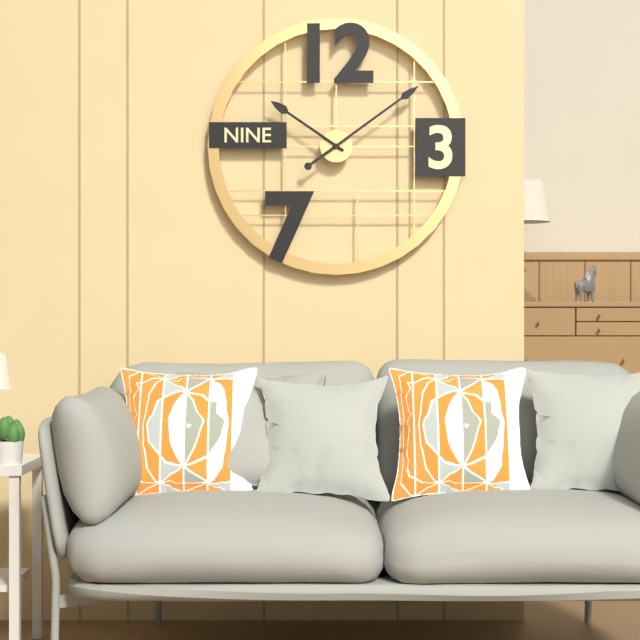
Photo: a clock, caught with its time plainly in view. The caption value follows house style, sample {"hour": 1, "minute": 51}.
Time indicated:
{"hour": 10, "minute": 9}
